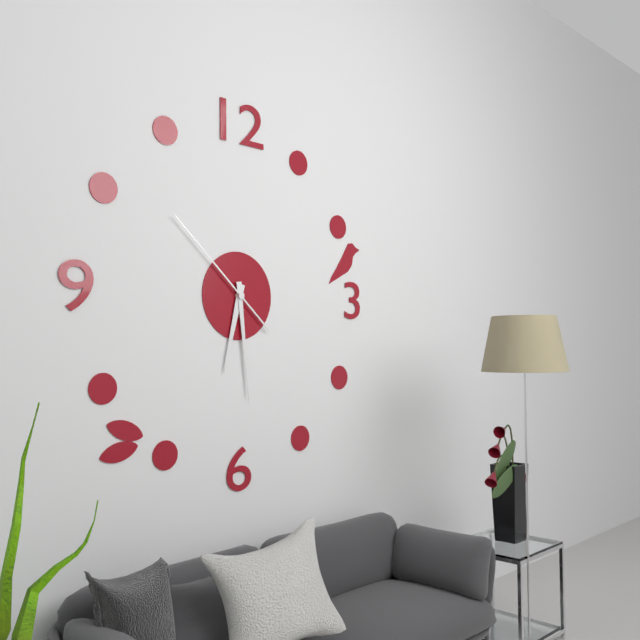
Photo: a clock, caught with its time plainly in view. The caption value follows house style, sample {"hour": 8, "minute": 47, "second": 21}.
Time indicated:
{"hour": 6, "minute": 29, "second": 52}
